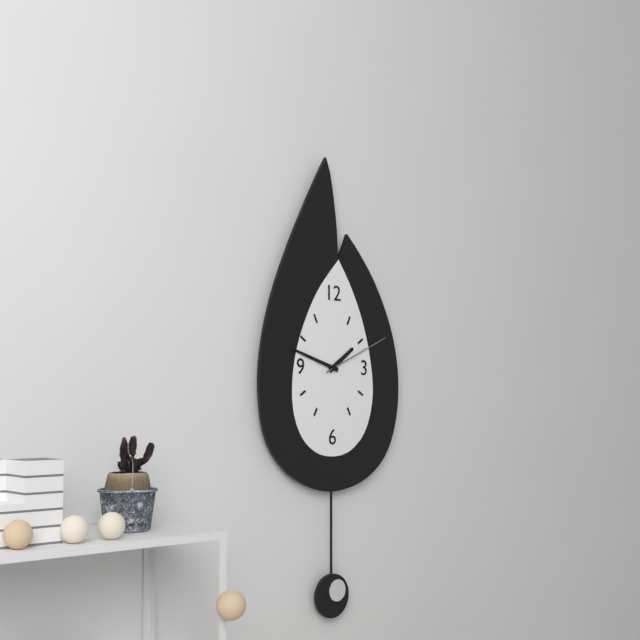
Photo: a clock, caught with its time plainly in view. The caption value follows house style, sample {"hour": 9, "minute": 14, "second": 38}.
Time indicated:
{"hour": 1, "minute": 48, "second": 11}
